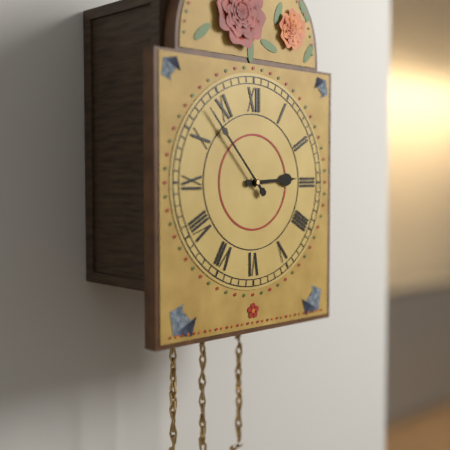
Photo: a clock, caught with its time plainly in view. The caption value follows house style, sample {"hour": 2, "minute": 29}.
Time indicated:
{"hour": 2, "minute": 53}
